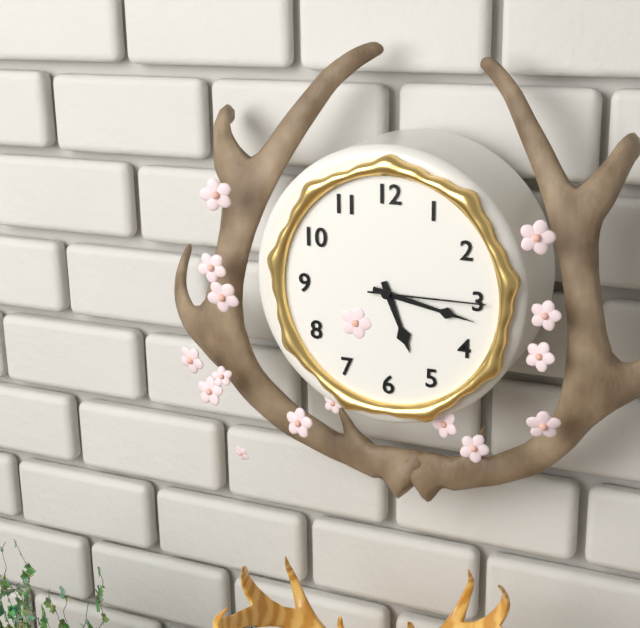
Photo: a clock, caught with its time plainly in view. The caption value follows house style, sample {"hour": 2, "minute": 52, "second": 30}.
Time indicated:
{"hour": 5, "minute": 17, "second": 15}
